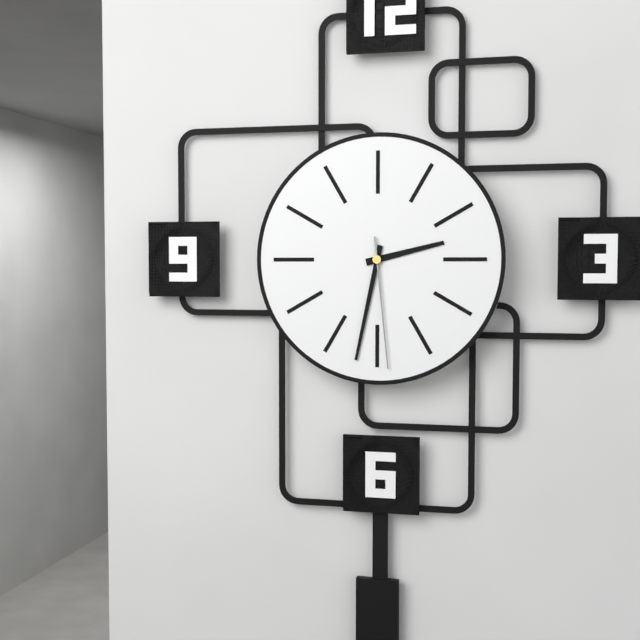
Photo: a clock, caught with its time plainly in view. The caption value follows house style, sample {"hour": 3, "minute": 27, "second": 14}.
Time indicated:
{"hour": 2, "minute": 32, "second": 29}
